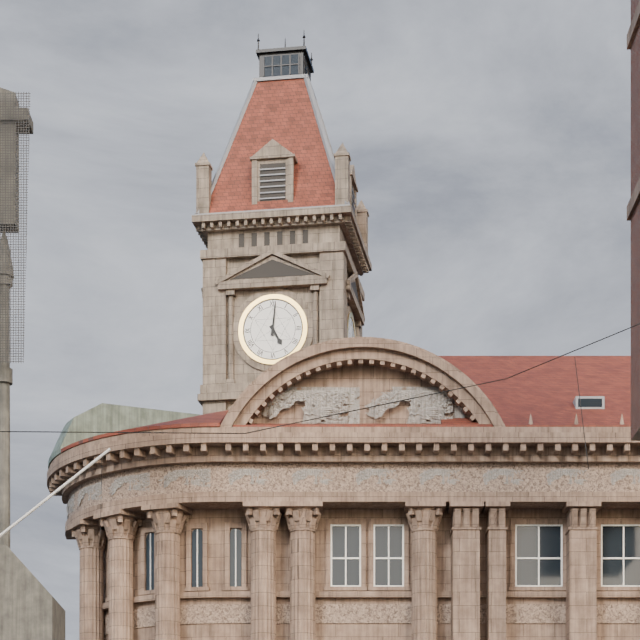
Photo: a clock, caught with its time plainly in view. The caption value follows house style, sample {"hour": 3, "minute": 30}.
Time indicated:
{"hour": 5, "minute": 1}
